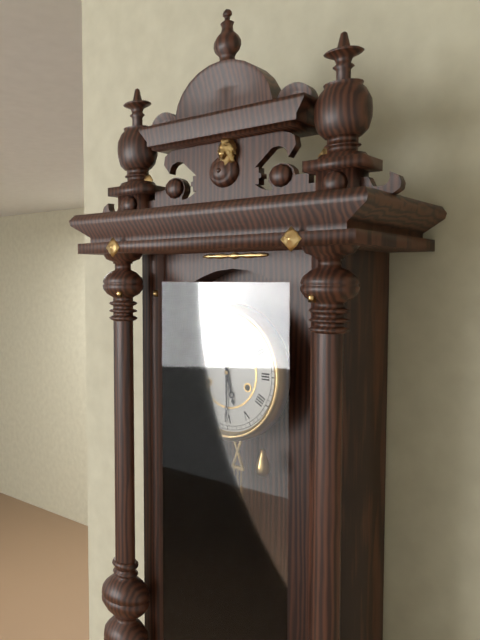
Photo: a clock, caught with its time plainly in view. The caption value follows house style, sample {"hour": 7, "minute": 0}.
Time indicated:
{"hour": 5, "minute": 30}
